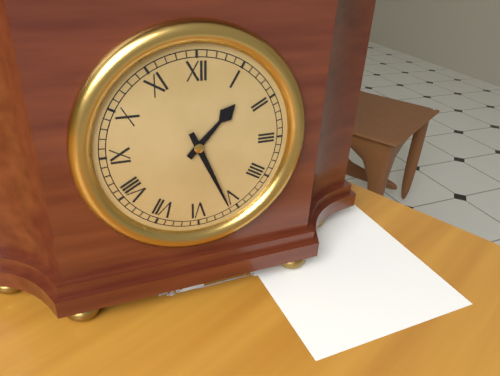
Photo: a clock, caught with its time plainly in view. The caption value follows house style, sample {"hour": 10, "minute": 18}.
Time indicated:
{"hour": 1, "minute": 26}
